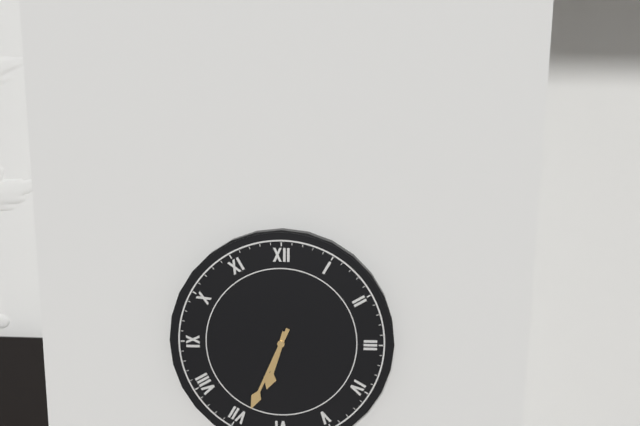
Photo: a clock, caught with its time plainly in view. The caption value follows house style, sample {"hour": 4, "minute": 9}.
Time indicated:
{"hour": 6, "minute": 34}
